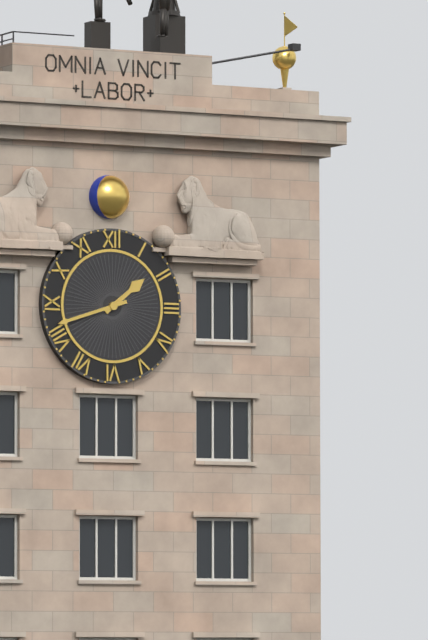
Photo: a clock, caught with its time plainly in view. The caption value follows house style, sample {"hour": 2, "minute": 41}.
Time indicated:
{"hour": 1, "minute": 42}
